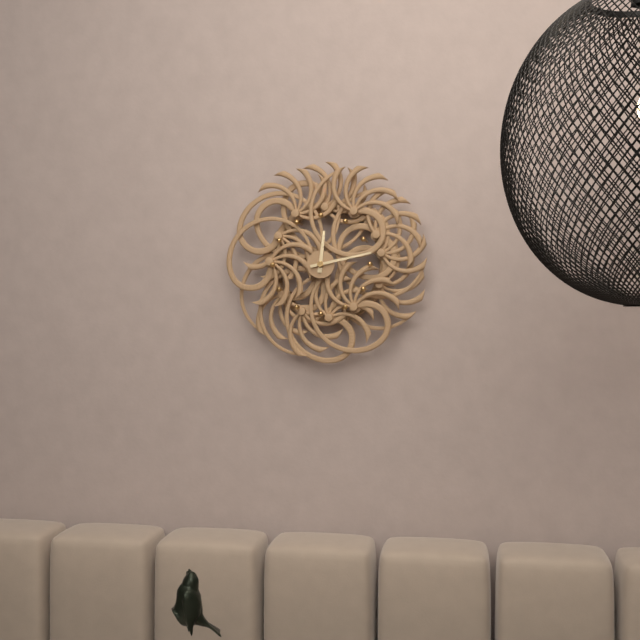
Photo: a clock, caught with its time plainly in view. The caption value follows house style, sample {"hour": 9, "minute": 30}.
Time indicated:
{"hour": 12, "minute": 13}
